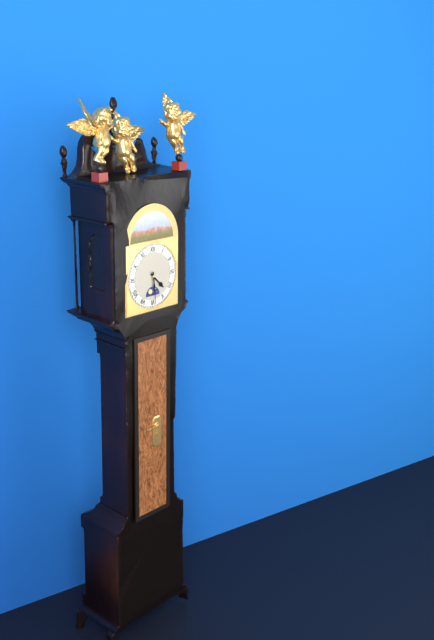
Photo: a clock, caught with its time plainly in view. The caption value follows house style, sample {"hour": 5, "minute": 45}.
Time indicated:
{"hour": 4, "minute": 29}
